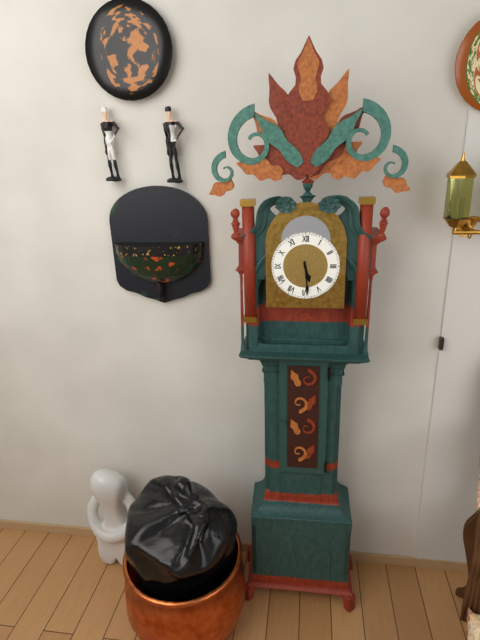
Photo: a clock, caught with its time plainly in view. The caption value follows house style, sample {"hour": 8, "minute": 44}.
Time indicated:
{"hour": 5, "minute": 29}
